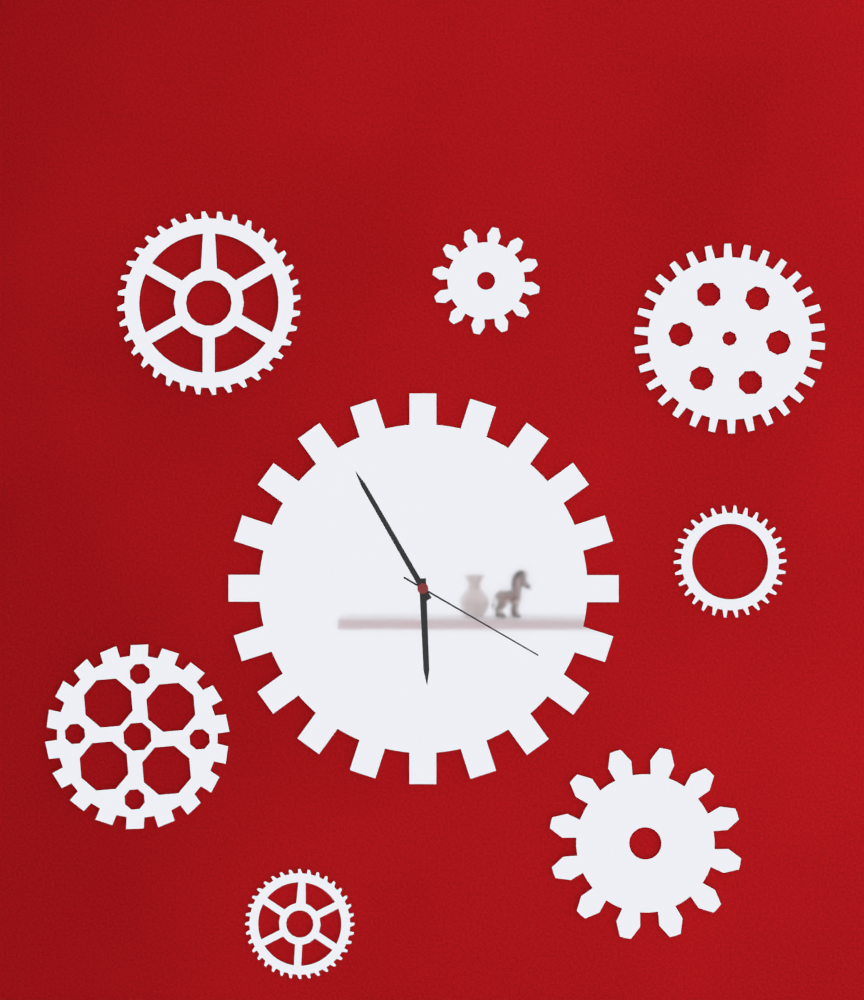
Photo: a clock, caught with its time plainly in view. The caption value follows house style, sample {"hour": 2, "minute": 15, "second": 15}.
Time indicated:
{"hour": 5, "minute": 55, "second": 20}
